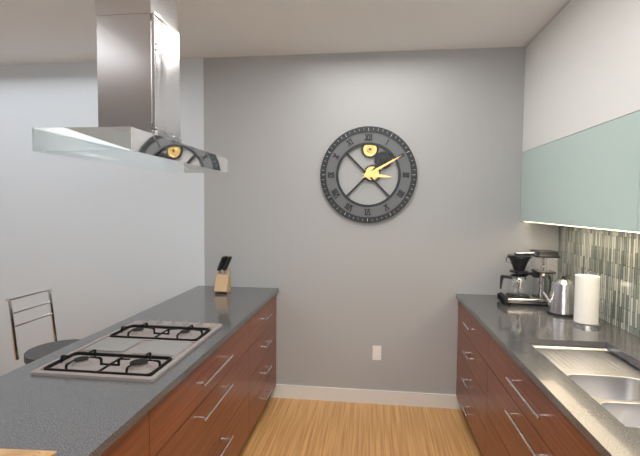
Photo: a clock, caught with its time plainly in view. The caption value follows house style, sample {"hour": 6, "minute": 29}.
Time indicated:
{"hour": 3, "minute": 10}
